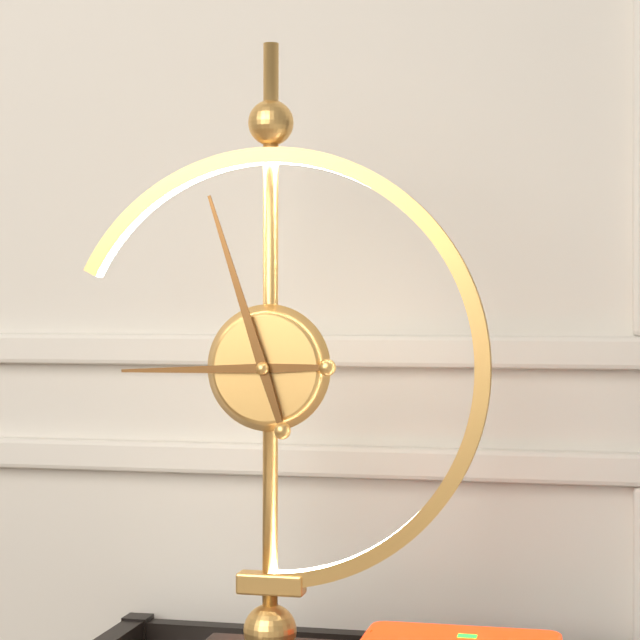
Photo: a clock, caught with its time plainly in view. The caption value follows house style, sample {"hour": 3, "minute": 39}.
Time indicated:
{"hour": 8, "minute": 57}
